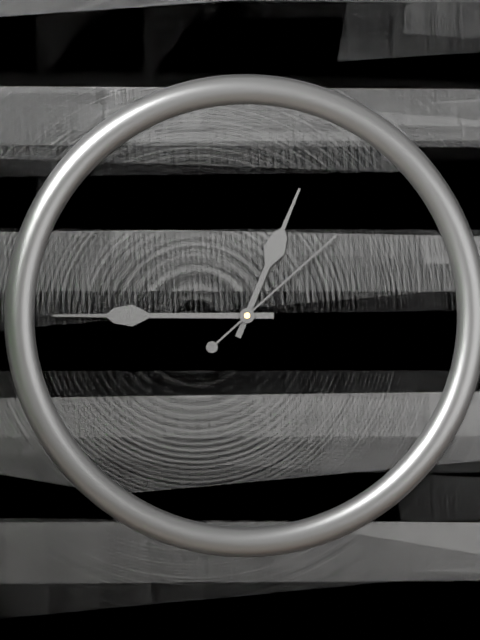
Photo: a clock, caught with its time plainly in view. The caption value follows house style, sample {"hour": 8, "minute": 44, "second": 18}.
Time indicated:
{"hour": 12, "minute": 45, "second": 8}
